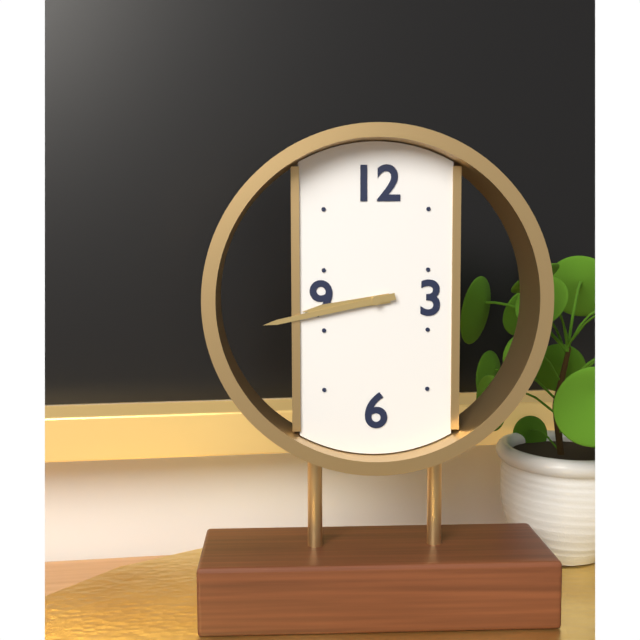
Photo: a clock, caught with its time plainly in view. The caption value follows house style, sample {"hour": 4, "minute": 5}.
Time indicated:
{"hour": 8, "minute": 43}
